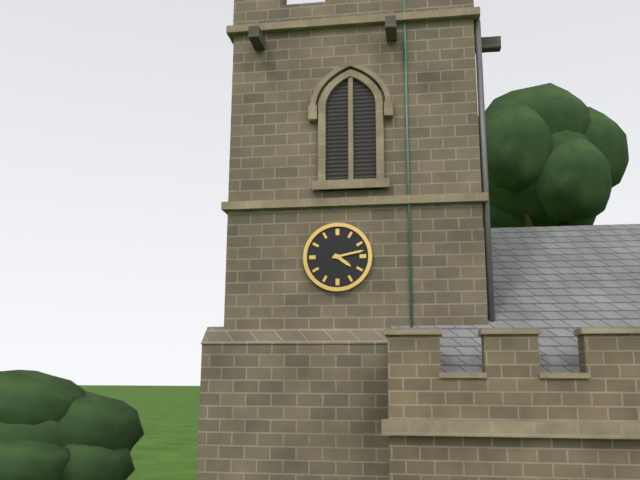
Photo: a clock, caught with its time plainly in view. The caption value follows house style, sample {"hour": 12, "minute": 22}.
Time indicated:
{"hour": 4, "minute": 13}
